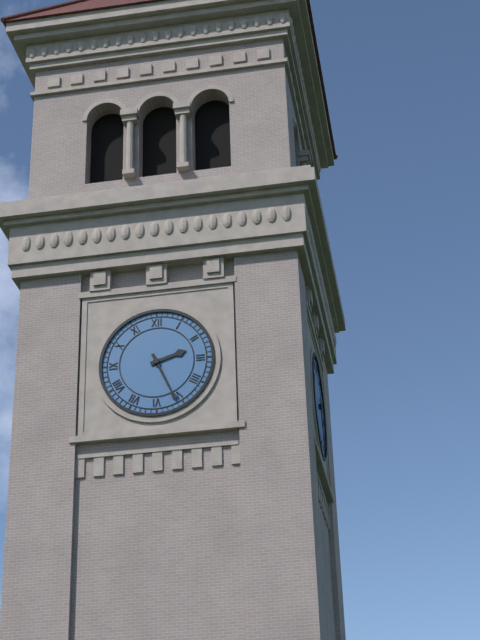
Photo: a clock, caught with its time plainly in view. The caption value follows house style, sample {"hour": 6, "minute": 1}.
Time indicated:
{"hour": 2, "minute": 26}
